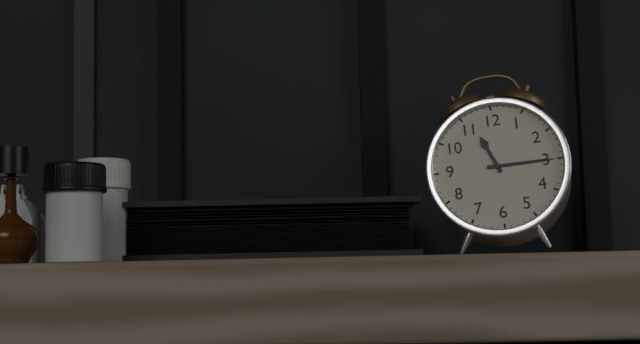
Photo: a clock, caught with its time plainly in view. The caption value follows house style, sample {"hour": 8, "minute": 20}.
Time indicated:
{"hour": 11, "minute": 15}
